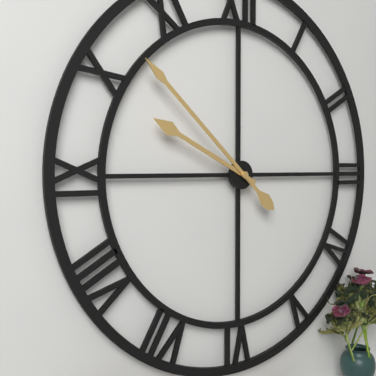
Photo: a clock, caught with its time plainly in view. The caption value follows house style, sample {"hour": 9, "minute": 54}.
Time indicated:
{"hour": 9, "minute": 52}
